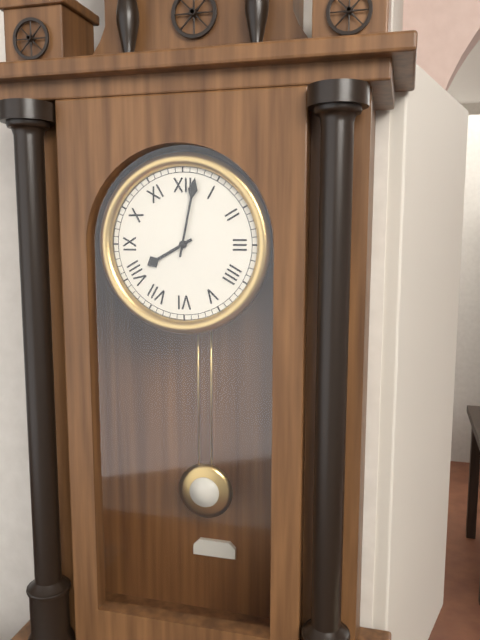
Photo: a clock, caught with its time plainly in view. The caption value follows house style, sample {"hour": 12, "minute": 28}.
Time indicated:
{"hour": 8, "minute": 2}
